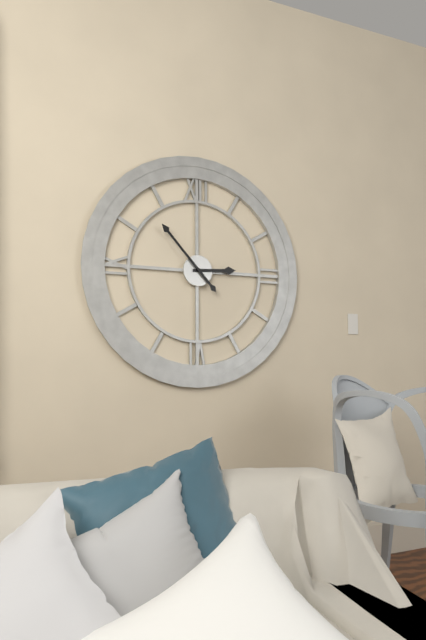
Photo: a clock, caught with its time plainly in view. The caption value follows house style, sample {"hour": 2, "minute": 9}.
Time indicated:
{"hour": 2, "minute": 53}
